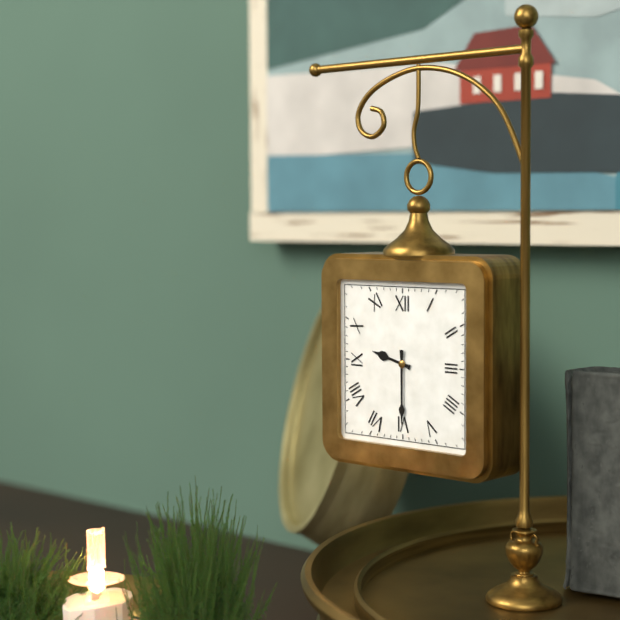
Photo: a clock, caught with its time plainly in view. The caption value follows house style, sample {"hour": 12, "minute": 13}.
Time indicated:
{"hour": 9, "minute": 30}
